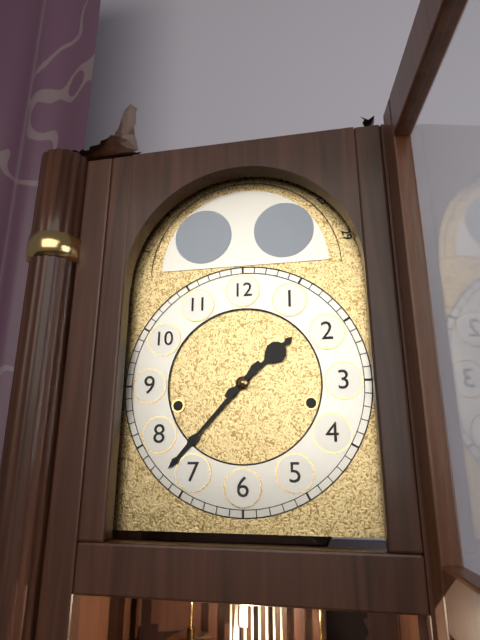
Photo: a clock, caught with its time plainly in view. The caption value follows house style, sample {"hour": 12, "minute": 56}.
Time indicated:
{"hour": 1, "minute": 37}
